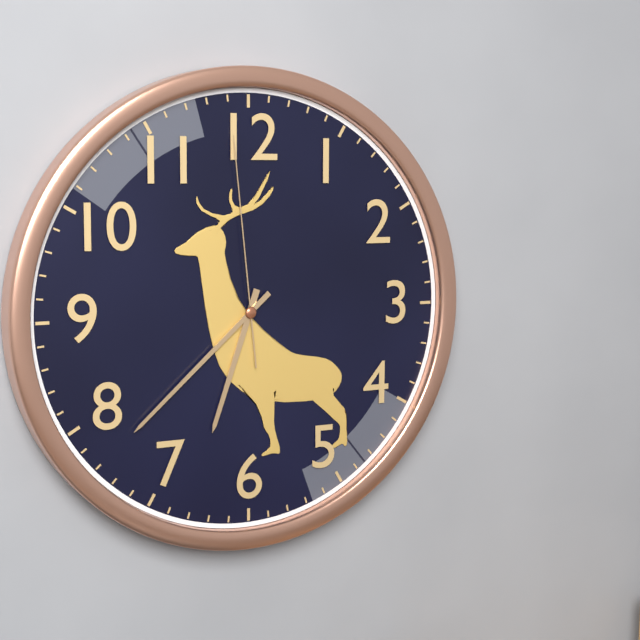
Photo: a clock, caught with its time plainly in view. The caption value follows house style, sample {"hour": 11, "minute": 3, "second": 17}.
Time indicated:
{"hour": 6, "minute": 38, "second": 59}
